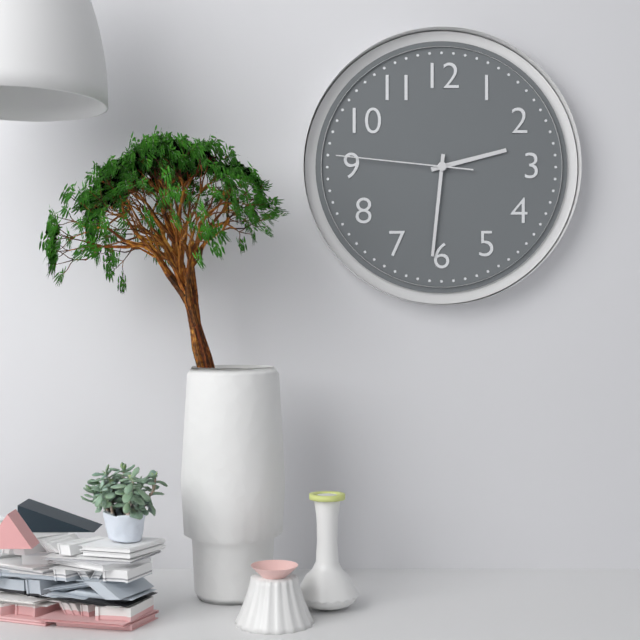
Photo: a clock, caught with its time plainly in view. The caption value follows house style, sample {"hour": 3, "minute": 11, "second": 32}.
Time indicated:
{"hour": 2, "minute": 31, "second": 46}
